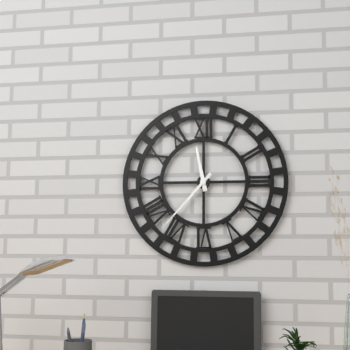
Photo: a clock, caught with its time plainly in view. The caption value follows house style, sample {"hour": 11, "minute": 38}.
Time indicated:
{"hour": 11, "minute": 37}
